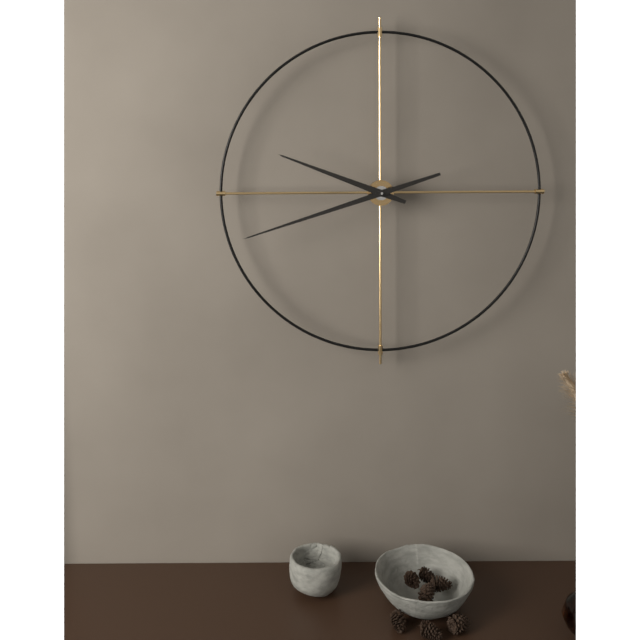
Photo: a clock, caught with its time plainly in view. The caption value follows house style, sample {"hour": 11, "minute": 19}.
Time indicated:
{"hour": 9, "minute": 42}
